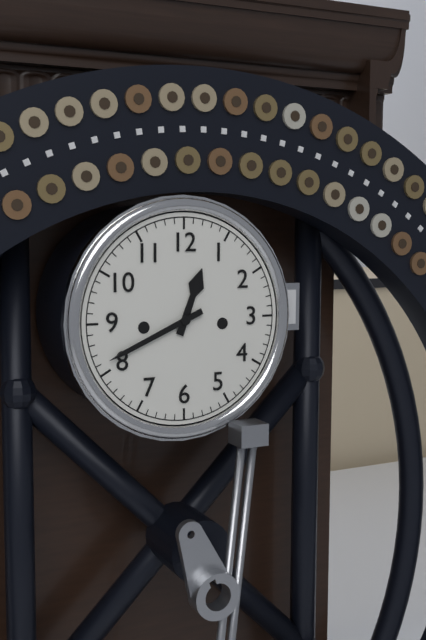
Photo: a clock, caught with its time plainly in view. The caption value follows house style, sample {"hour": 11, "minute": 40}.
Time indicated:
{"hour": 12, "minute": 41}
